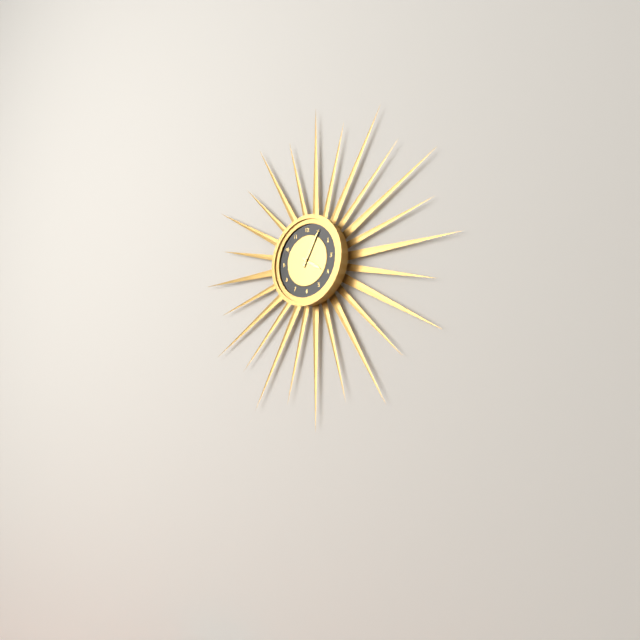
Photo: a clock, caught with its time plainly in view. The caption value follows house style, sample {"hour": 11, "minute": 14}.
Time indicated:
{"hour": 4, "minute": 5}
